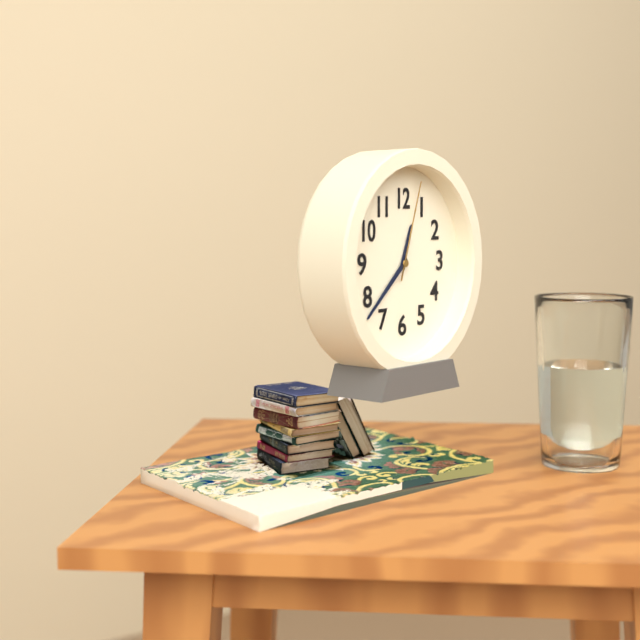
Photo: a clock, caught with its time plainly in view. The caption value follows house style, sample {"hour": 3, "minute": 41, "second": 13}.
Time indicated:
{"hour": 12, "minute": 38, "second": 3}
